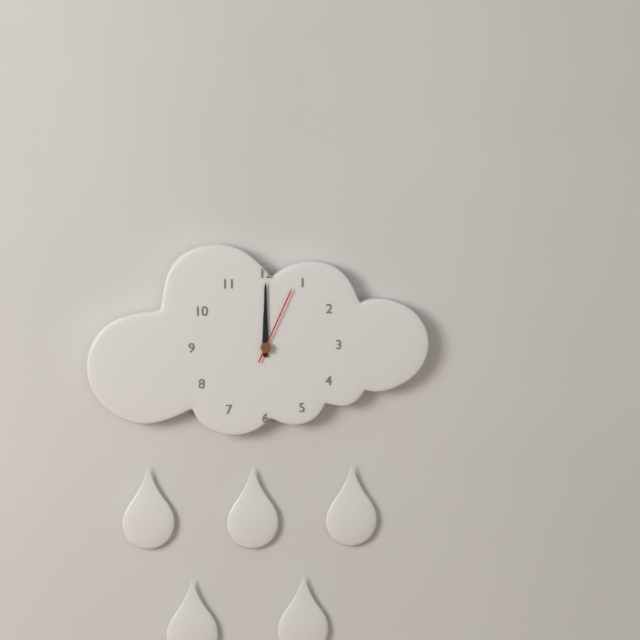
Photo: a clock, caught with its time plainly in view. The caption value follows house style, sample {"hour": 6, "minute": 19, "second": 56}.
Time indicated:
{"hour": 12, "minute": 0, "second": 4}
